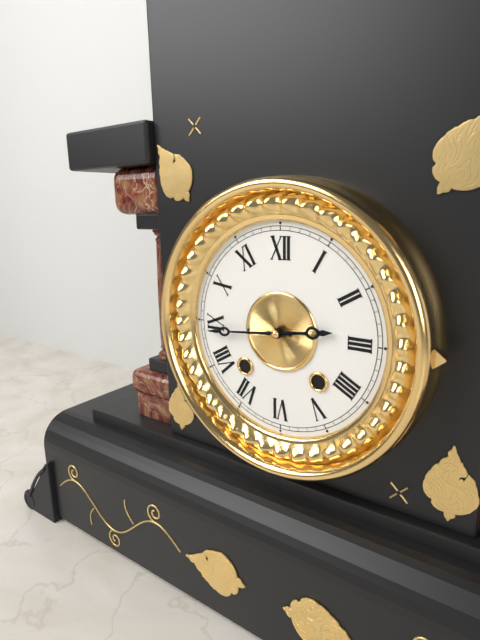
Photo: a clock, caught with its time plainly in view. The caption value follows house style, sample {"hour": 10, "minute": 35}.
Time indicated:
{"hour": 2, "minute": 44}
